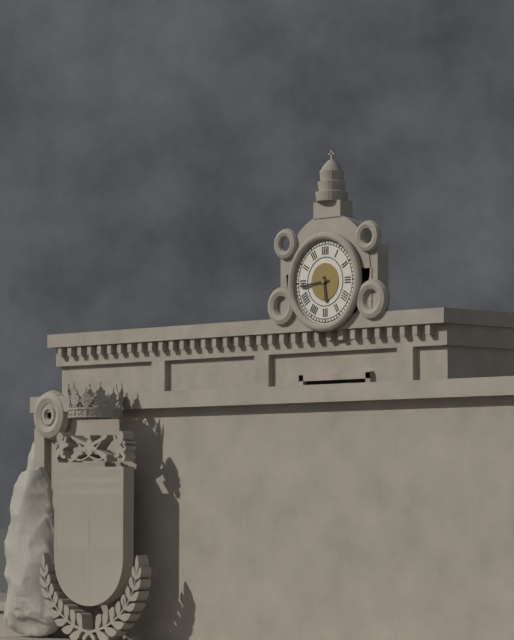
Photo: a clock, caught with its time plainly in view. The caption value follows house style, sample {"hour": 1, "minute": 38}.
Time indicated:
{"hour": 5, "minute": 44}
